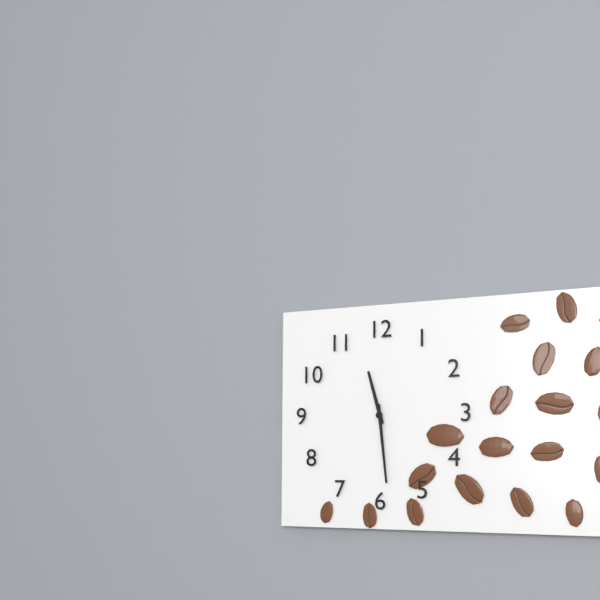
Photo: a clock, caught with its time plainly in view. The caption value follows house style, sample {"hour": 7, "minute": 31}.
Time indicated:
{"hour": 11, "minute": 29}
